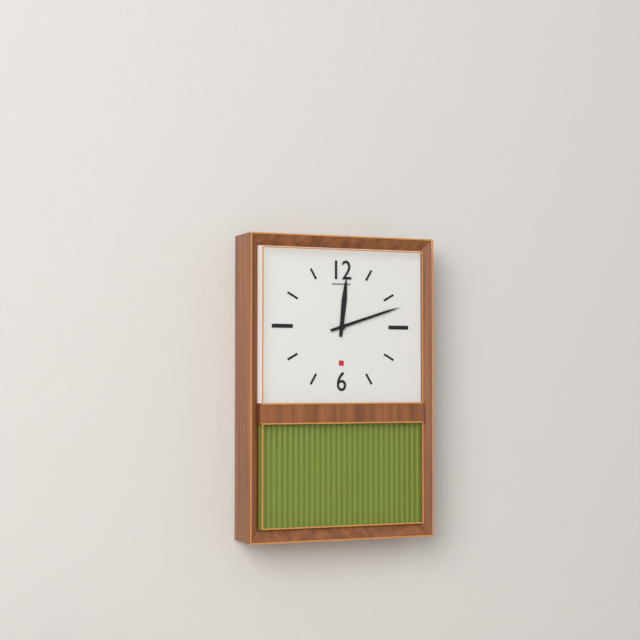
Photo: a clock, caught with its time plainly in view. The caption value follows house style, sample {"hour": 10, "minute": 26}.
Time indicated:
{"hour": 12, "minute": 12}
